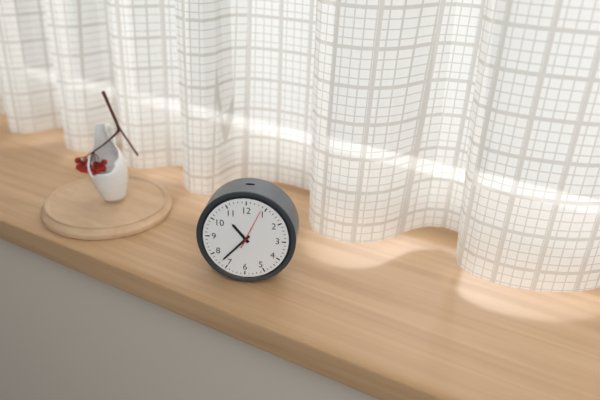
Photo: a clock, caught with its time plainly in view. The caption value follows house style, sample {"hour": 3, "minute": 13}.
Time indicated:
{"hour": 10, "minute": 37}
